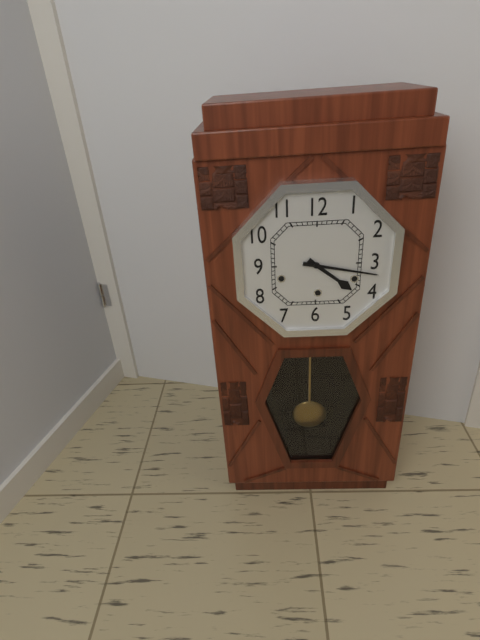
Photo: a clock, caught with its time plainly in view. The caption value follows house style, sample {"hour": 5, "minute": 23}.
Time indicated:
{"hour": 4, "minute": 17}
